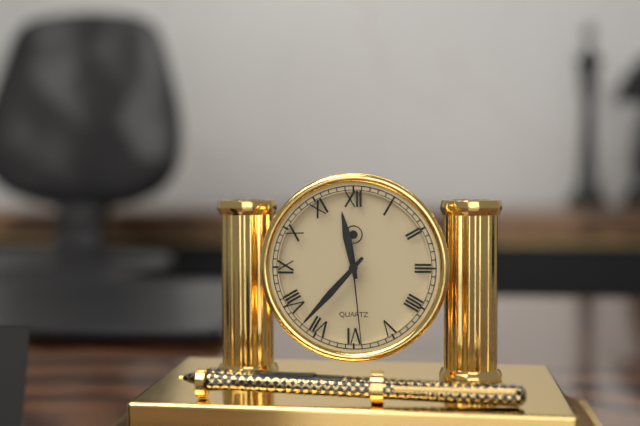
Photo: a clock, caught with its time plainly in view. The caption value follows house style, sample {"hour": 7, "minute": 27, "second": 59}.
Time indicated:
{"hour": 11, "minute": 37, "second": 29}
